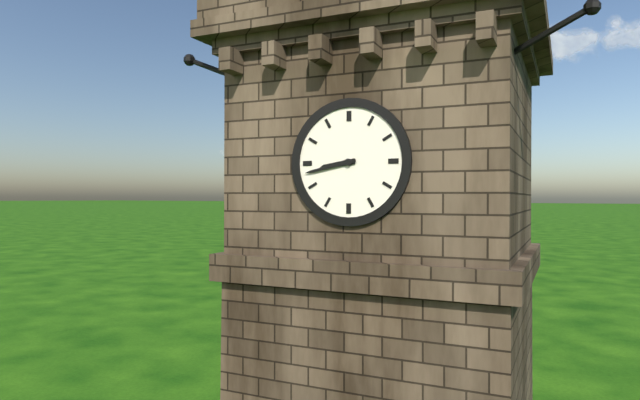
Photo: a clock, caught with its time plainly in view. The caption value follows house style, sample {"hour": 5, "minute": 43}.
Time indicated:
{"hour": 8, "minute": 43}
